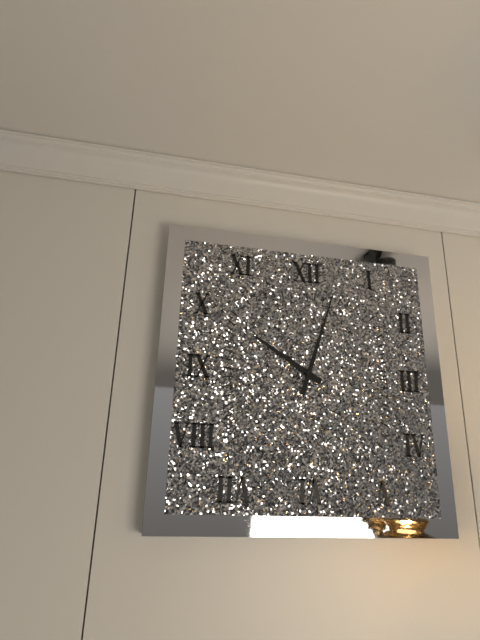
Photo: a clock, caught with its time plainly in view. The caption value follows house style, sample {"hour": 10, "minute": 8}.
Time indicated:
{"hour": 10, "minute": 3}
